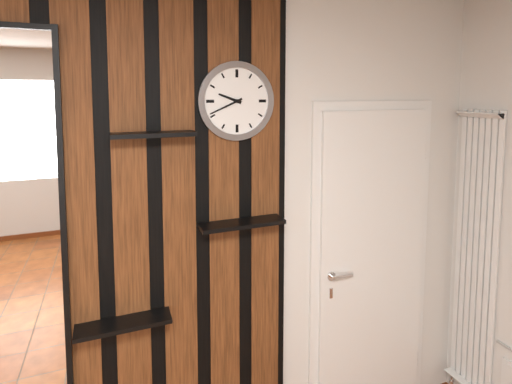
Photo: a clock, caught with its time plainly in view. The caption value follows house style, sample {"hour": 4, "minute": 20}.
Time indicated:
{"hour": 9, "minute": 41}
